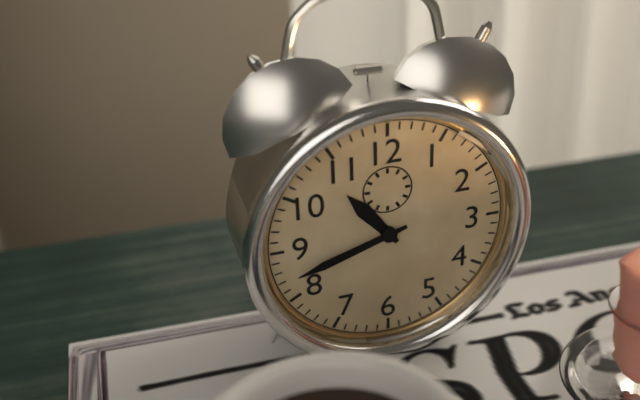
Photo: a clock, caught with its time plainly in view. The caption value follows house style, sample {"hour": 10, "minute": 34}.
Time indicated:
{"hour": 10, "minute": 42}
